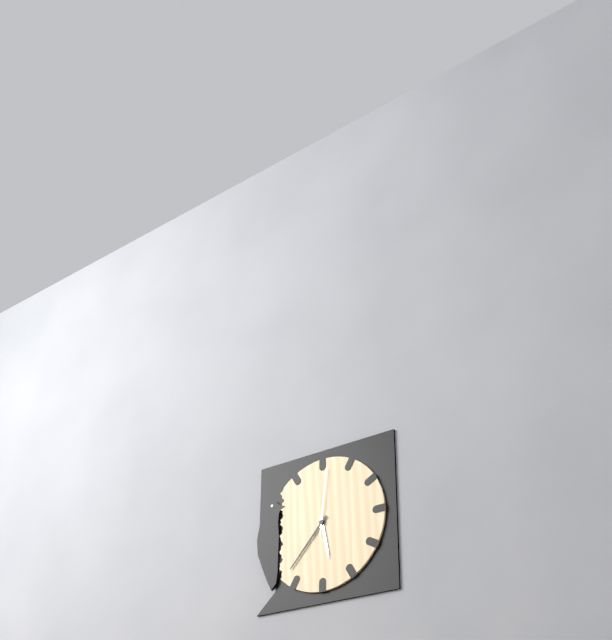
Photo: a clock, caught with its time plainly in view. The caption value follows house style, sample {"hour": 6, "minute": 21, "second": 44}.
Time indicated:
{"hour": 5, "minute": 37, "second": 1}
